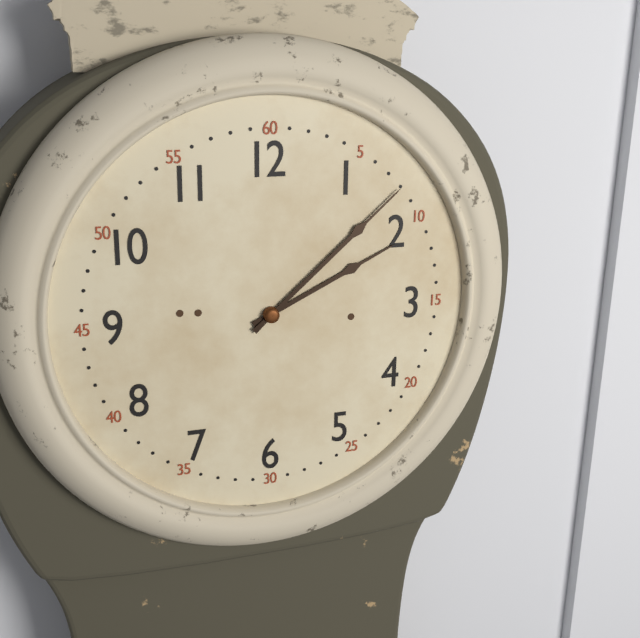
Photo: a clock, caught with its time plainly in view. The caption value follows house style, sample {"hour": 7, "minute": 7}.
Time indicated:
{"hour": 2, "minute": 8}
